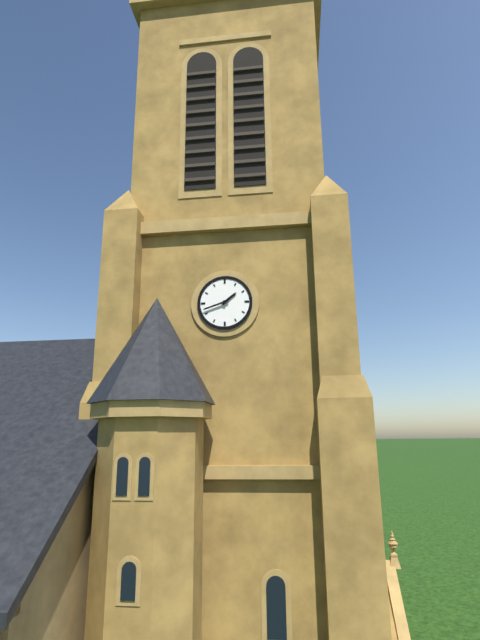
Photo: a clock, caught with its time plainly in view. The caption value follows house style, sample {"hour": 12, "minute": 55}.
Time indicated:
{"hour": 1, "minute": 42}
